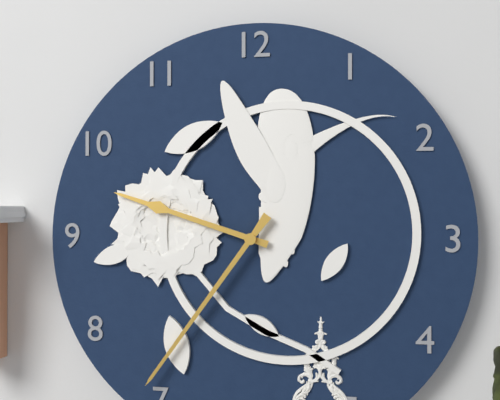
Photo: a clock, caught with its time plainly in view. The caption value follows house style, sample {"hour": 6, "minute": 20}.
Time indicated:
{"hour": 9, "minute": 36}
